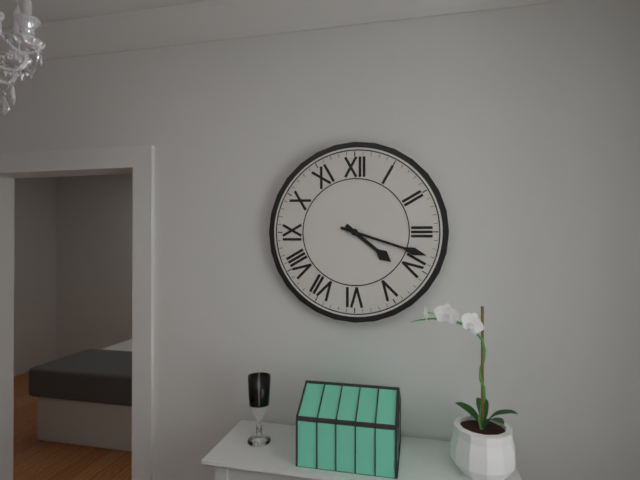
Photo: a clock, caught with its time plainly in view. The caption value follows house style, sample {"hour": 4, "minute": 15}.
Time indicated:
{"hour": 4, "minute": 18}
